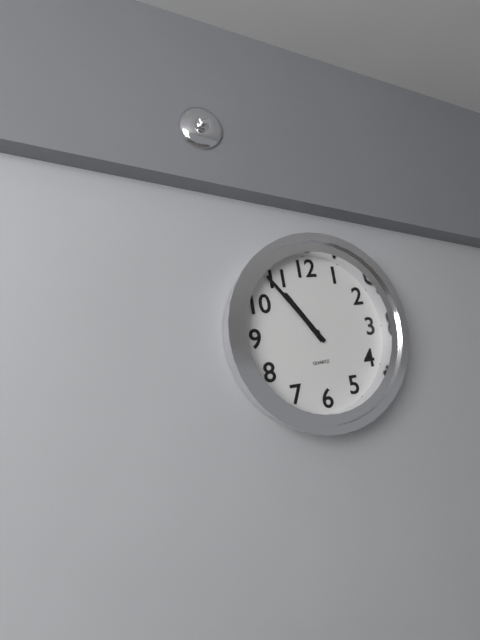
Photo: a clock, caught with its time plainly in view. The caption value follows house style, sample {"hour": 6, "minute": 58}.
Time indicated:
{"hour": 10, "minute": 54}
